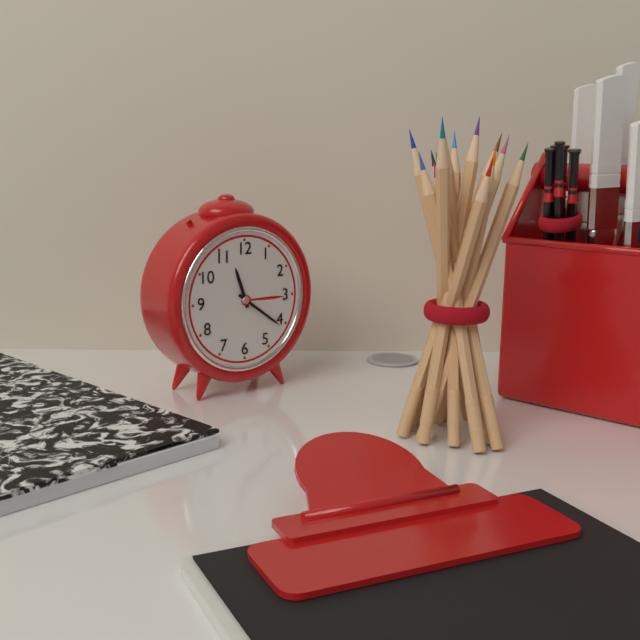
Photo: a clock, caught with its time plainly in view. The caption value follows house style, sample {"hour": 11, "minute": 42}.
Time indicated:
{"hour": 11, "minute": 21}
